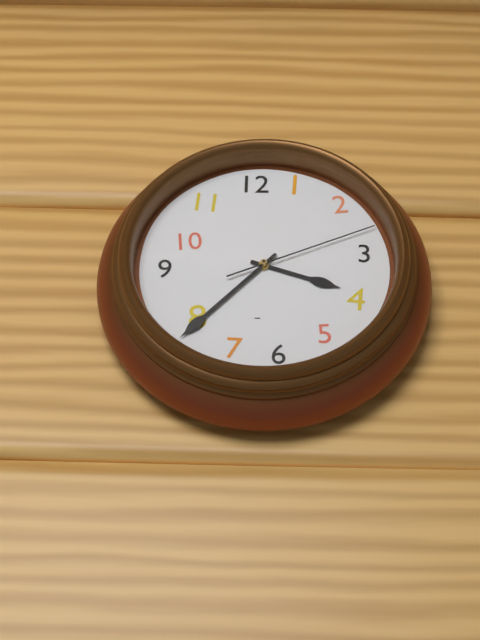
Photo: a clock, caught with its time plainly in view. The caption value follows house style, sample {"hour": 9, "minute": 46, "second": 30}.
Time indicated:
{"hour": 3, "minute": 37, "second": 11}
